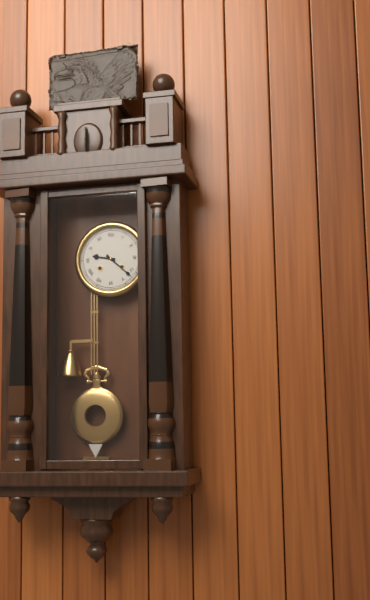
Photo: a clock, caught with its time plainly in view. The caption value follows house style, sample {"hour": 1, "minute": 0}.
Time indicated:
{"hour": 9, "minute": 22}
